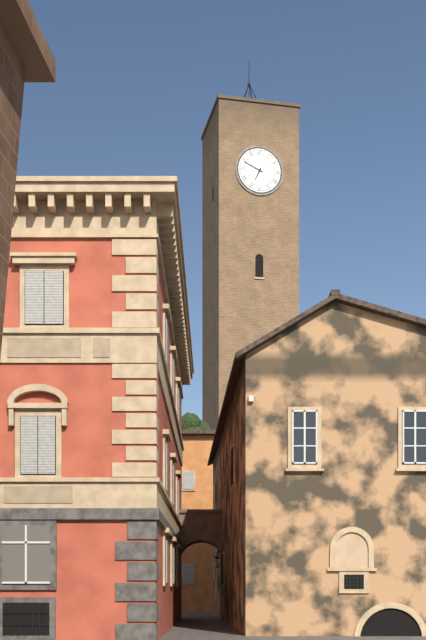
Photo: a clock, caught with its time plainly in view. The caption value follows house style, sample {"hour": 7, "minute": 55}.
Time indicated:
{"hour": 6, "minute": 49}
